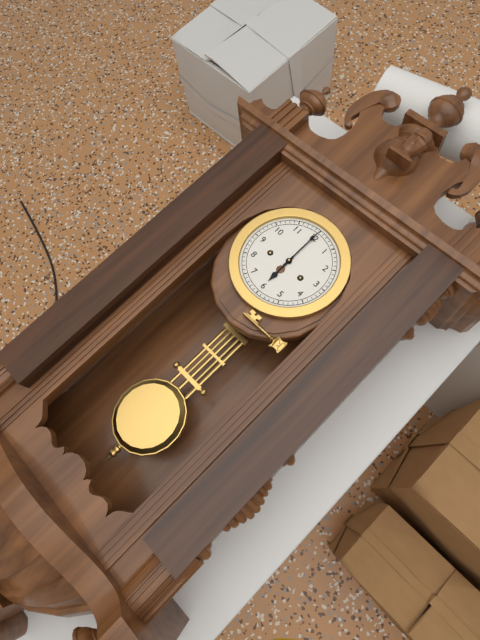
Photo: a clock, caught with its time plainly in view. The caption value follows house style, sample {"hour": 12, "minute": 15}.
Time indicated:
{"hour": 6, "minute": 0}
